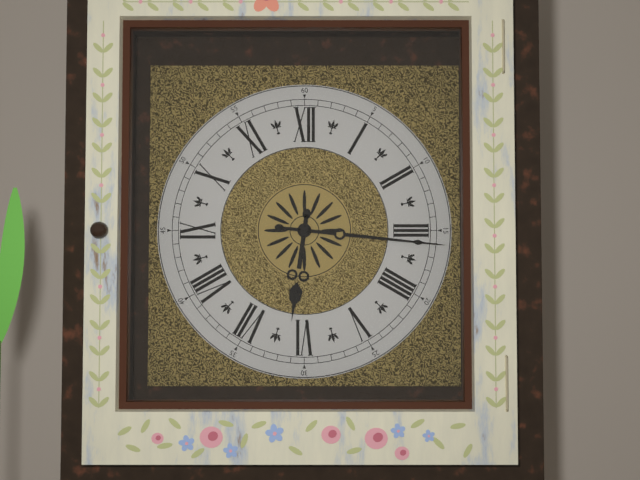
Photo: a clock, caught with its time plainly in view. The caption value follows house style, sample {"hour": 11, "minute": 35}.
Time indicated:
{"hour": 6, "minute": 16}
